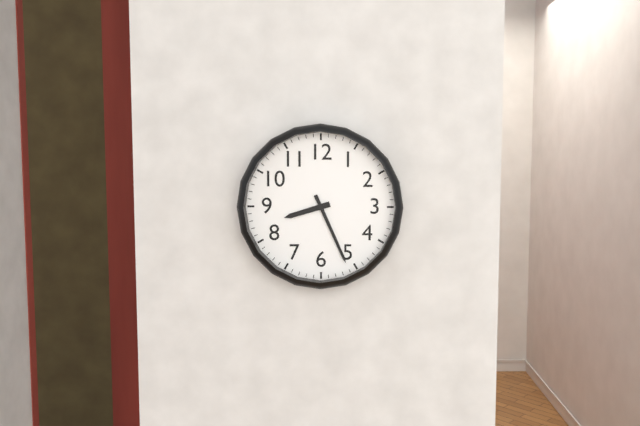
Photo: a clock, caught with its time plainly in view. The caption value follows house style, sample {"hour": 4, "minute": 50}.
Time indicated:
{"hour": 8, "minute": 26}
